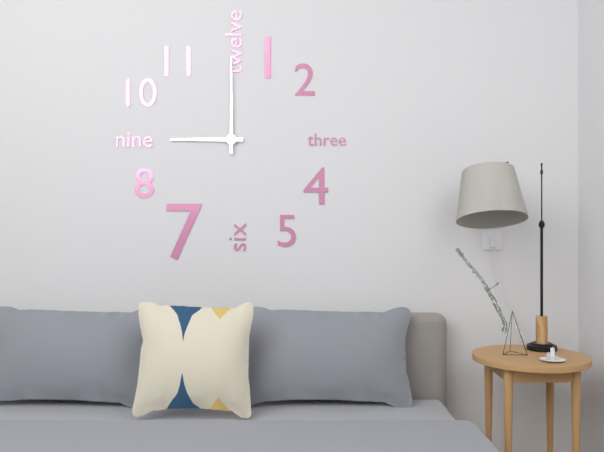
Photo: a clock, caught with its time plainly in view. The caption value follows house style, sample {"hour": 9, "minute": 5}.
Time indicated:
{"hour": 9, "minute": 0}
